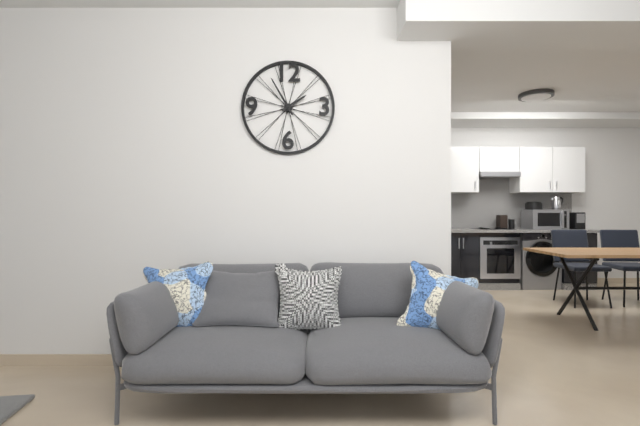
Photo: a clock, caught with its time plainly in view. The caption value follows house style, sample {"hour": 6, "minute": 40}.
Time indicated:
{"hour": 1, "minute": 55}
